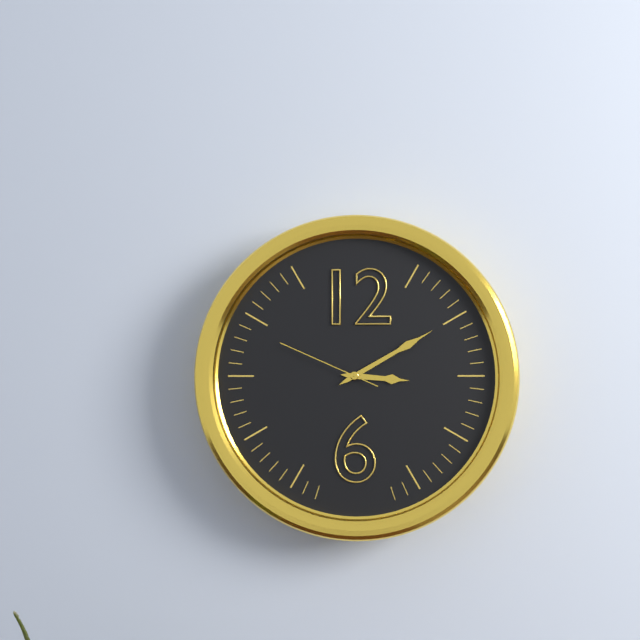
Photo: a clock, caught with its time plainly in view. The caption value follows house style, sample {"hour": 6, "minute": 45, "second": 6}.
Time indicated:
{"hour": 3, "minute": 10, "second": 49}
